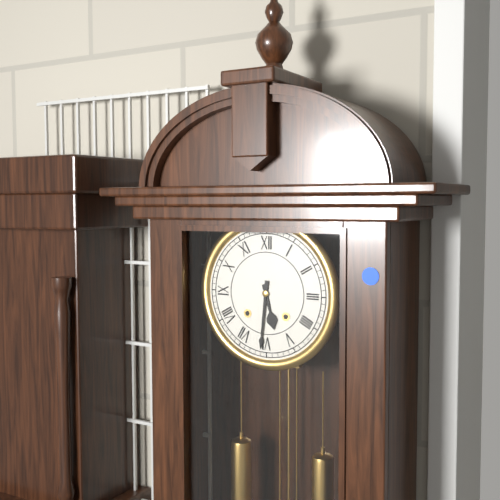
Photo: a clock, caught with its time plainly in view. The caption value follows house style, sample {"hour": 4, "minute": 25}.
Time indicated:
{"hour": 5, "minute": 31}
